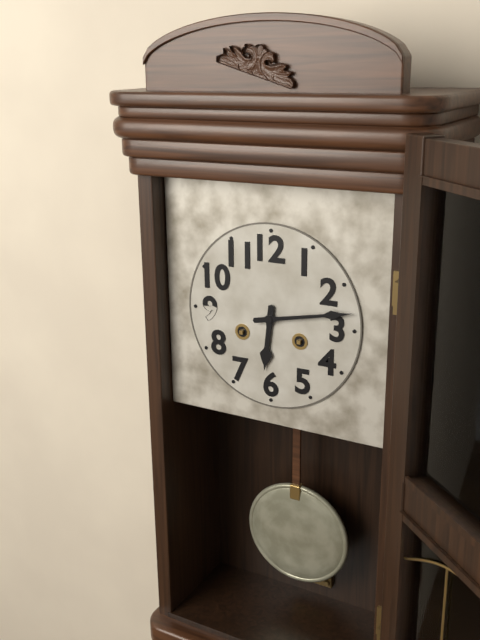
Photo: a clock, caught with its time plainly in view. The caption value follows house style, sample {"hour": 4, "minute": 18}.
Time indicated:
{"hour": 6, "minute": 13}
